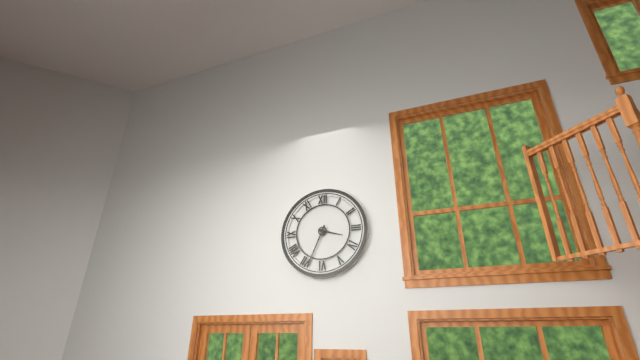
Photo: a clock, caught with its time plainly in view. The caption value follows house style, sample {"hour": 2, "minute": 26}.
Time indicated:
{"hour": 3, "minute": 34}
